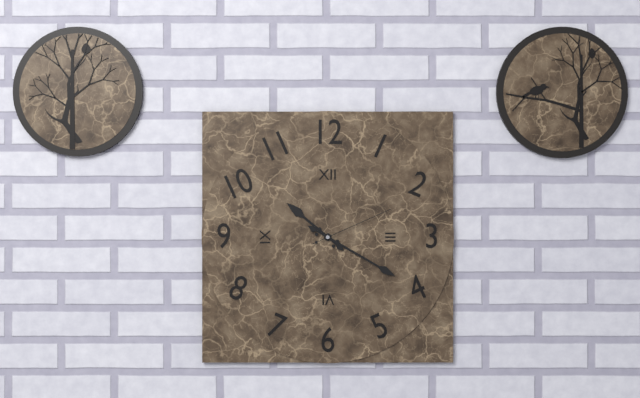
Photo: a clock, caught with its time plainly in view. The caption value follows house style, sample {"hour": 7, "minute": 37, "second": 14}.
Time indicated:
{"hour": 10, "minute": 20, "second": 11}
